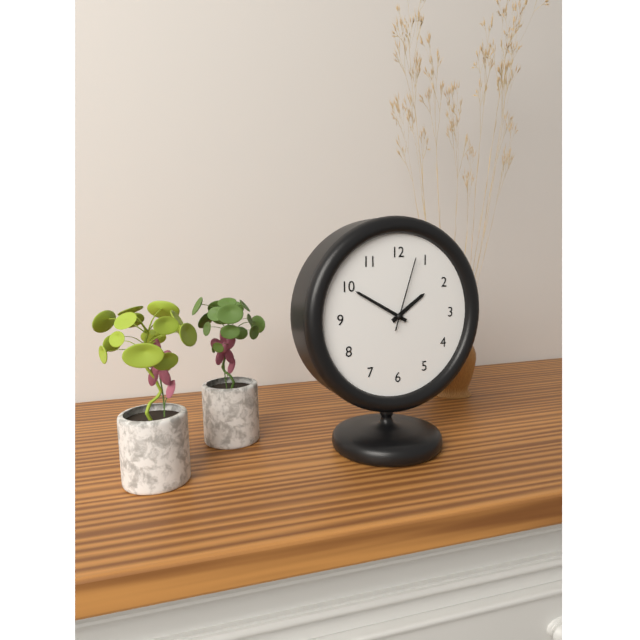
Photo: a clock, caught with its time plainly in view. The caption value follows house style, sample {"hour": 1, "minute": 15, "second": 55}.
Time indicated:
{"hour": 1, "minute": 50, "second": 3}
